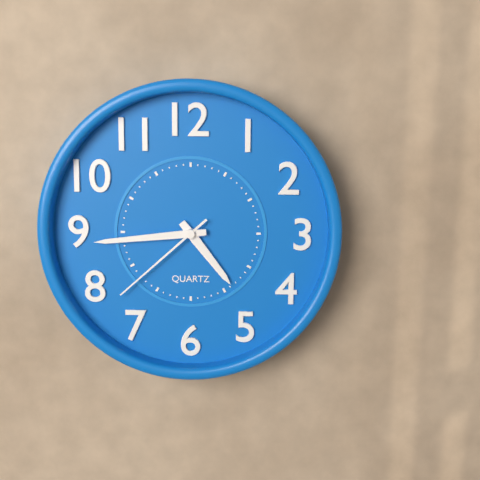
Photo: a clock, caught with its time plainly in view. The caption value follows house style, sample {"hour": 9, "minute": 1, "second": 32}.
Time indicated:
{"hour": 4, "minute": 44, "second": 38}
